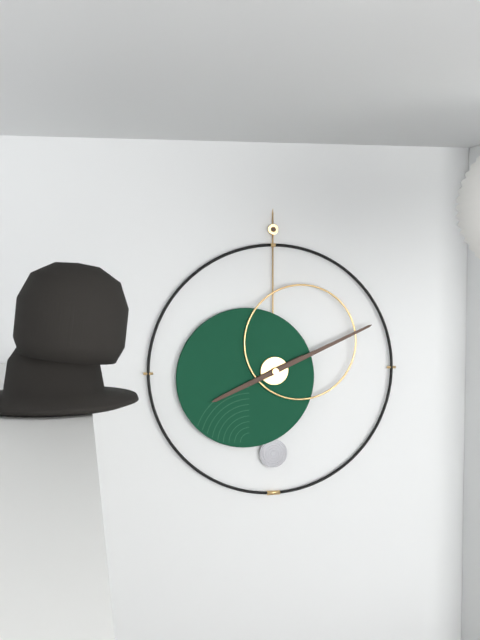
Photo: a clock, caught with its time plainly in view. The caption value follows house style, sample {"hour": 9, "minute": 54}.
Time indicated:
{"hour": 8, "minute": 11}
